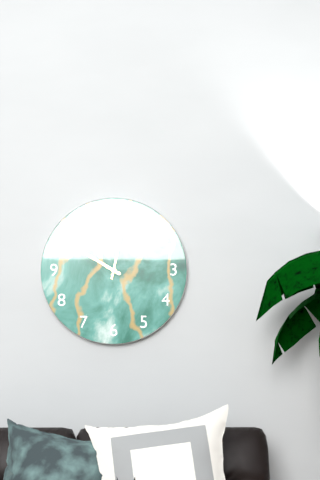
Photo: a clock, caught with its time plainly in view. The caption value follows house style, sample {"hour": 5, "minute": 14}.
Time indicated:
{"hour": 10, "minute": 2}
